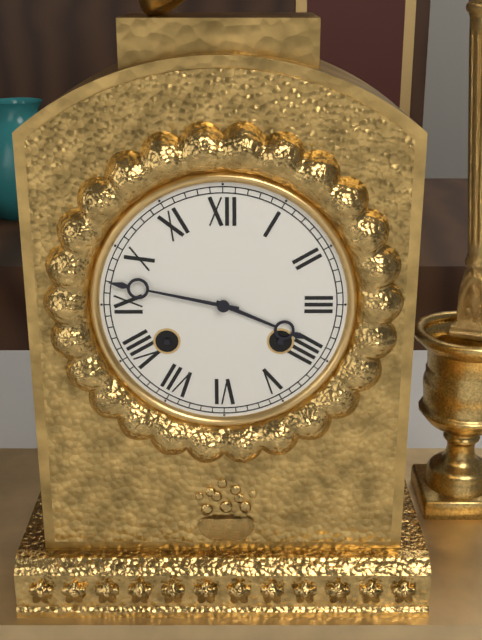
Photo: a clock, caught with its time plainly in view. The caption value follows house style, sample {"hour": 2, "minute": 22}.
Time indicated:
{"hour": 3, "minute": 47}
